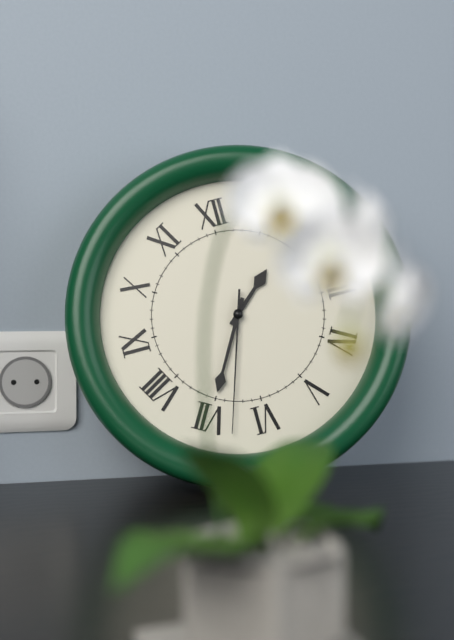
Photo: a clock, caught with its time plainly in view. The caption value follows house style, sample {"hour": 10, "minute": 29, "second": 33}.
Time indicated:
{"hour": 1, "minute": 35, "second": 33}
